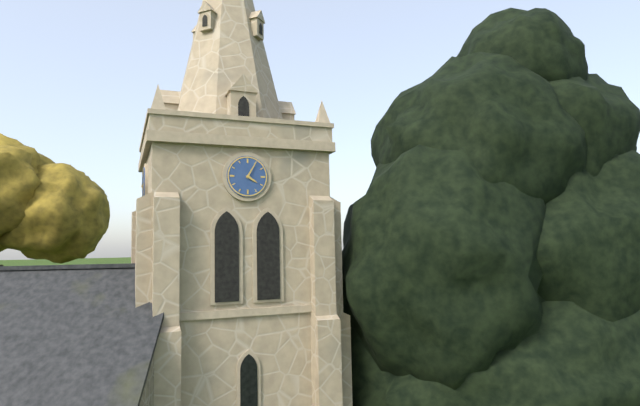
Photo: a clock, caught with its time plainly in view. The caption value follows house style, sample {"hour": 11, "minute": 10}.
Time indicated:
{"hour": 4, "minute": 5}
